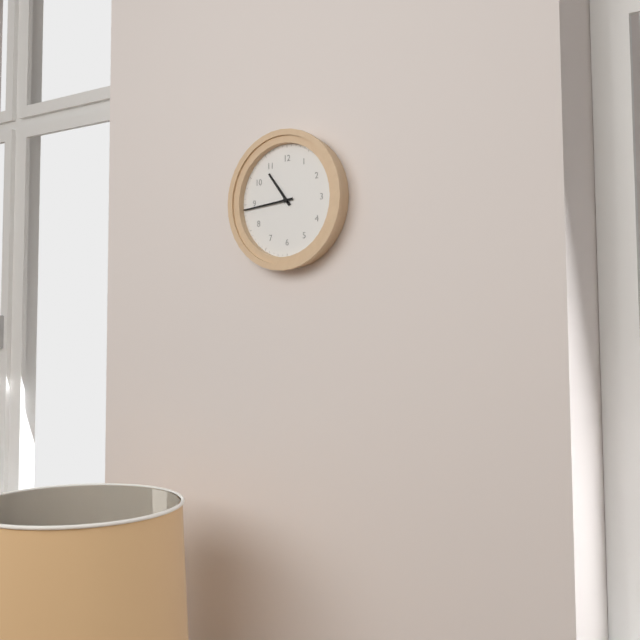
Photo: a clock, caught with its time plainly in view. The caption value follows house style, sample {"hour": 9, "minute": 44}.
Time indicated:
{"hour": 10, "minute": 44}
